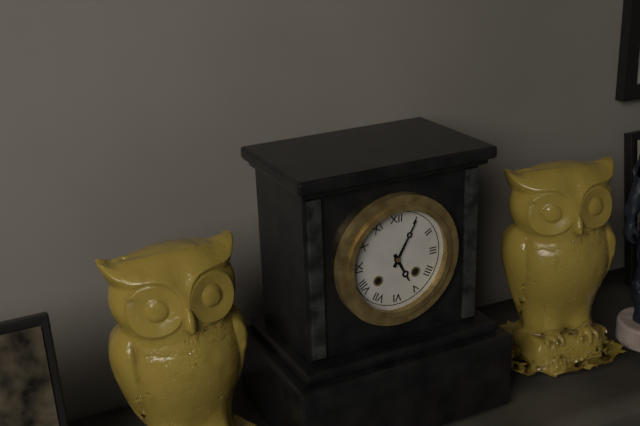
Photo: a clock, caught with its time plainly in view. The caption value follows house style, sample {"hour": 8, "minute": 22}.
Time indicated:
{"hour": 5, "minute": 5}
